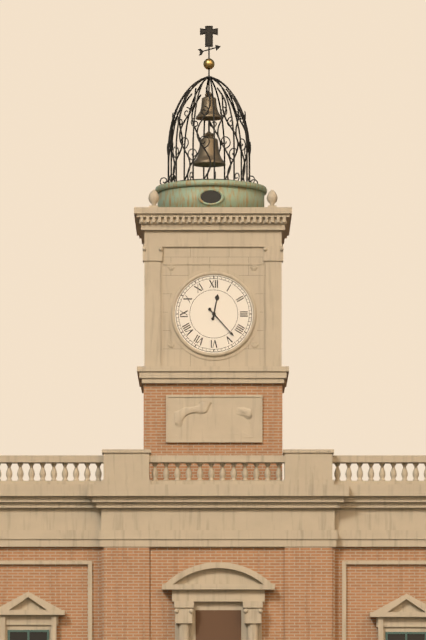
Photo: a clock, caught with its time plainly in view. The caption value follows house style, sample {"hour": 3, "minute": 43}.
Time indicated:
{"hour": 12, "minute": 23}
